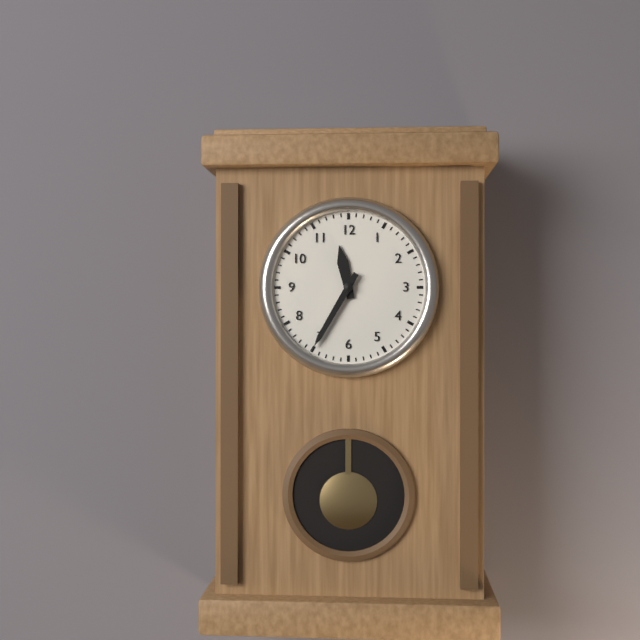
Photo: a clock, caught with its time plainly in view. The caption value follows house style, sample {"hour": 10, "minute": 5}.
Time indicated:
{"hour": 11, "minute": 35}
